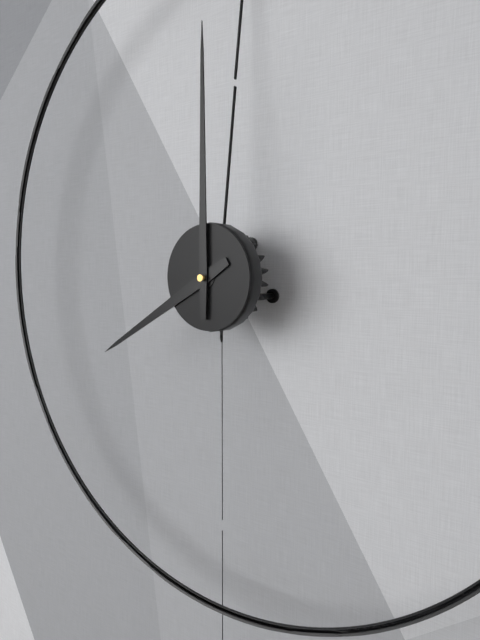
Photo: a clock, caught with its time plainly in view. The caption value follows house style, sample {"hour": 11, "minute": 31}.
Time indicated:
{"hour": 8, "minute": 0}
